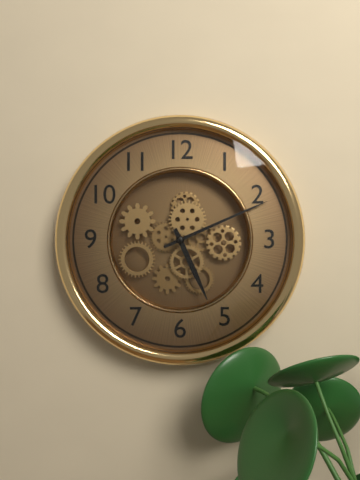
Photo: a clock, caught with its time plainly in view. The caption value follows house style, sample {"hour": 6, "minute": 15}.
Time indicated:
{"hour": 5, "minute": 11}
